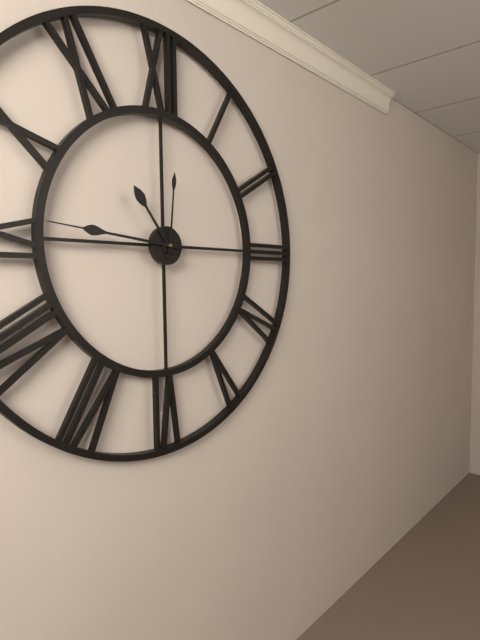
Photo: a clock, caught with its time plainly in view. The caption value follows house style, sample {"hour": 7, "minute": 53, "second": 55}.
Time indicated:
{"hour": 10, "minute": 46, "second": 1}
